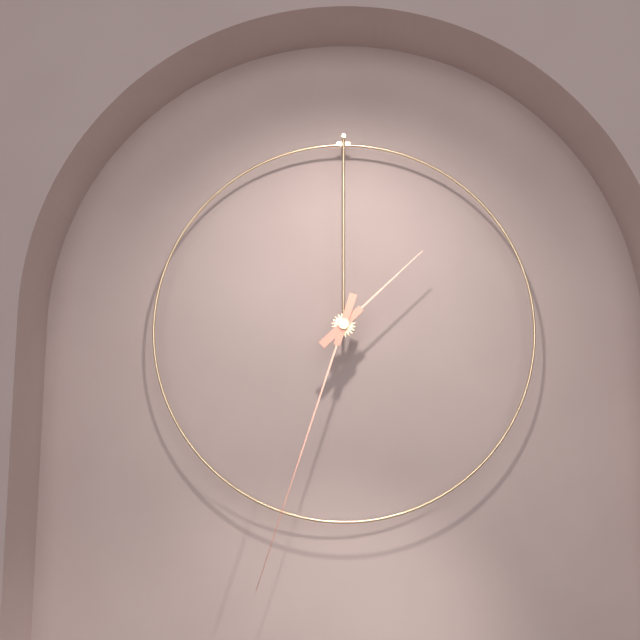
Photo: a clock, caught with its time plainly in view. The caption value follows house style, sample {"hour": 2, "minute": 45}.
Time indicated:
{"hour": 1, "minute": 33}
